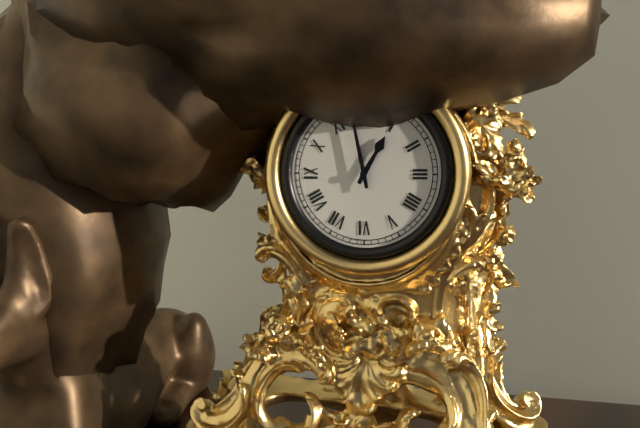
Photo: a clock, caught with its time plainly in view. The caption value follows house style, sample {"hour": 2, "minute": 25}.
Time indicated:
{"hour": 12, "minute": 58}
